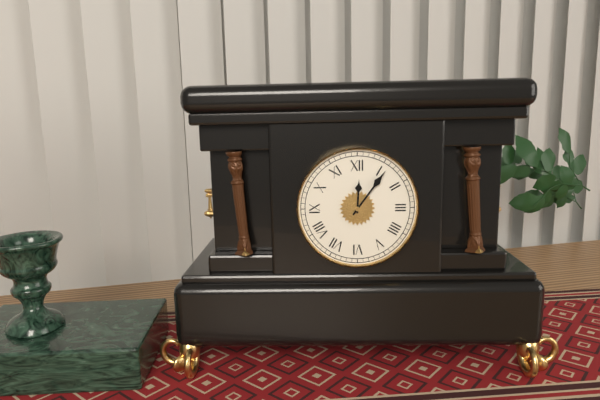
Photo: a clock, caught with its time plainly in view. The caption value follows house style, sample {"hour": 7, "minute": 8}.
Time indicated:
{"hour": 12, "minute": 6}
